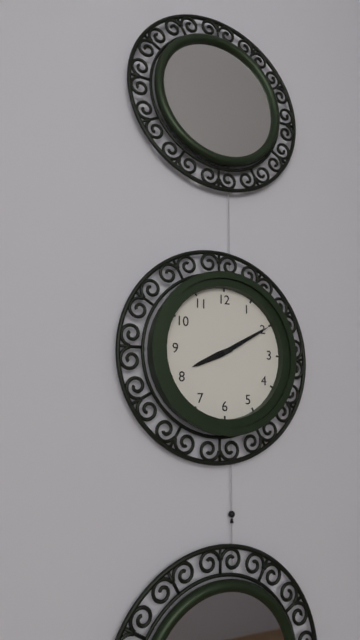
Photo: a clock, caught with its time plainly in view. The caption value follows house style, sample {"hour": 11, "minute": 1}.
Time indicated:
{"hour": 8, "minute": 10}
